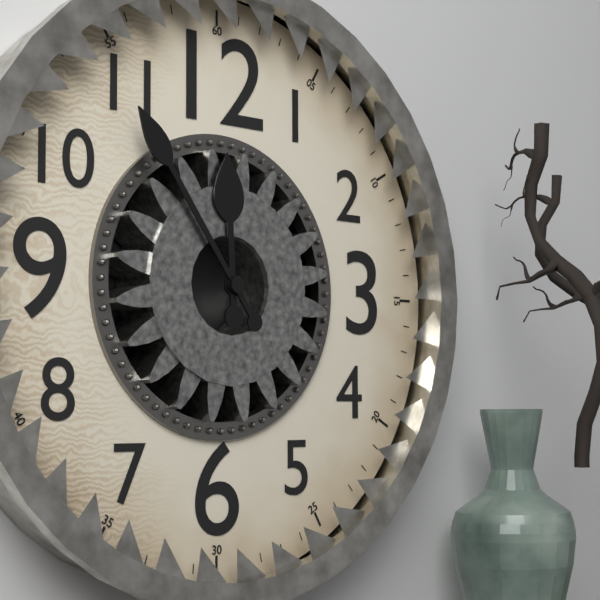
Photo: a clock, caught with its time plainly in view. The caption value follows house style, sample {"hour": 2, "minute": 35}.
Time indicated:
{"hour": 11, "minute": 54}
